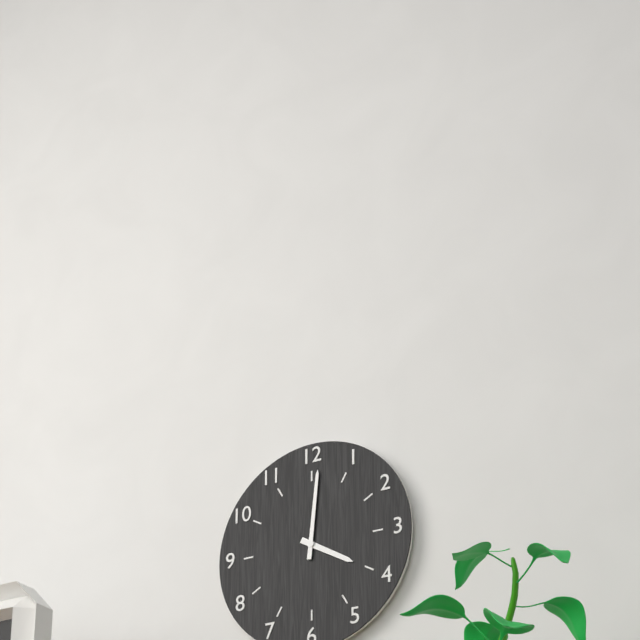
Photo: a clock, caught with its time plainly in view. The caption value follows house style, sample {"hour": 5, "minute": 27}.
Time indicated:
{"hour": 4, "minute": 1}
